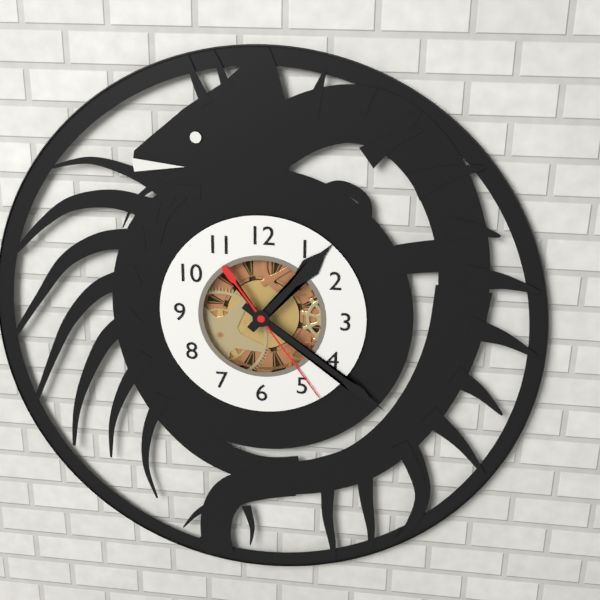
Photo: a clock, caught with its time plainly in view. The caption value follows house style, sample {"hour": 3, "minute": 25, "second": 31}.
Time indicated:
{"hour": 1, "minute": 21, "second": 24}
